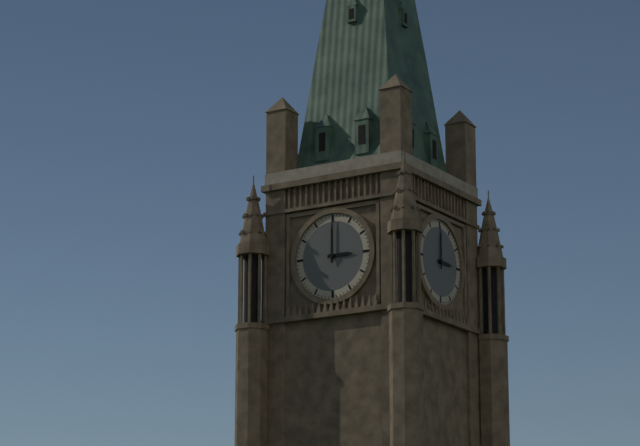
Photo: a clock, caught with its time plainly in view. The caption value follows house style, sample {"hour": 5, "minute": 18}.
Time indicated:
{"hour": 3, "minute": 0}
